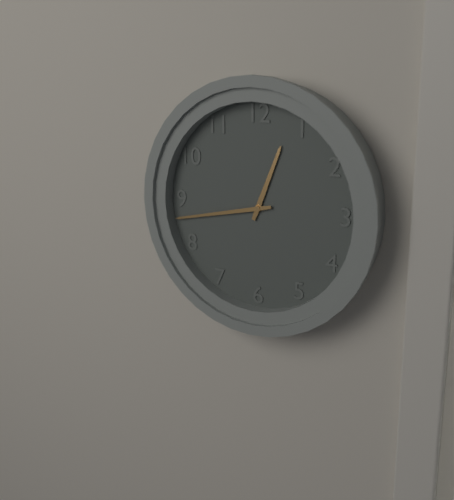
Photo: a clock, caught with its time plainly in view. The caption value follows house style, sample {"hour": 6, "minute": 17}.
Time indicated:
{"hour": 12, "minute": 43}
